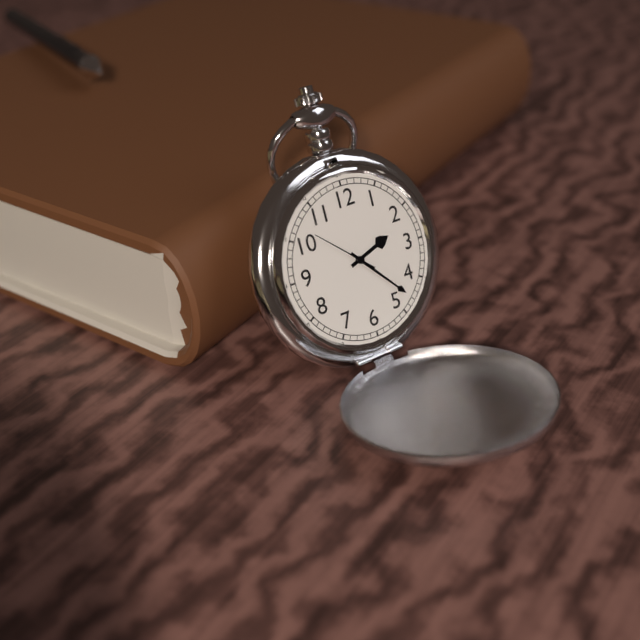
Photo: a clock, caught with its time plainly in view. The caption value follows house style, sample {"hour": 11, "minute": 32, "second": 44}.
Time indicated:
{"hour": 2, "minute": 23, "second": 52}
